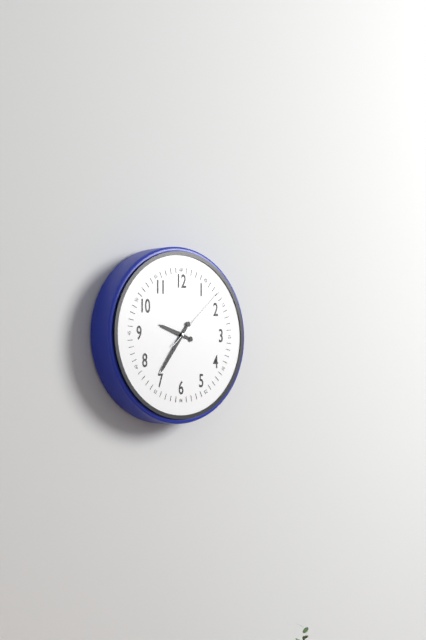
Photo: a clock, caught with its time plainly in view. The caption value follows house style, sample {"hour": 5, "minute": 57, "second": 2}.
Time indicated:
{"hour": 9, "minute": 36, "second": 8}
